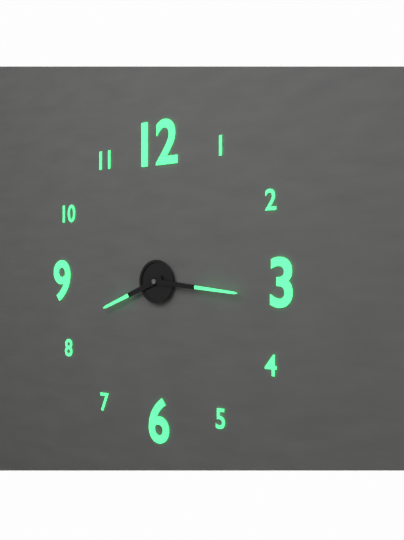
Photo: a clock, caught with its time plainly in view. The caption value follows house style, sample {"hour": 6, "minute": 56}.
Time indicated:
{"hour": 8, "minute": 16}
